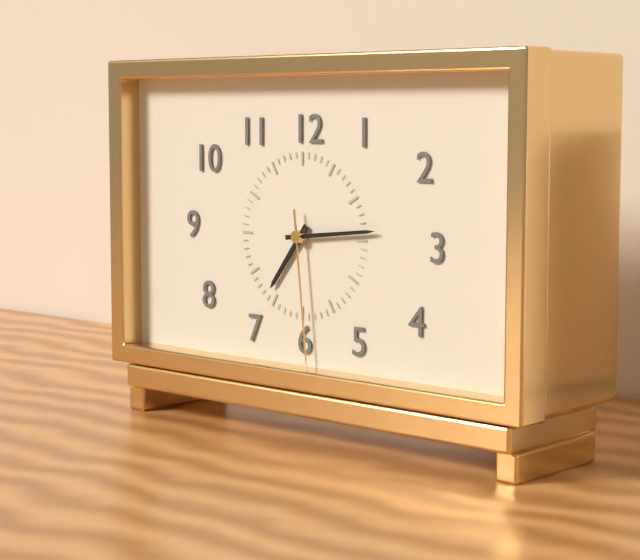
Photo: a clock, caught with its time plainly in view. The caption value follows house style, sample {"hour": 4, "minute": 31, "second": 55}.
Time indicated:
{"hour": 7, "minute": 14, "second": 29}
